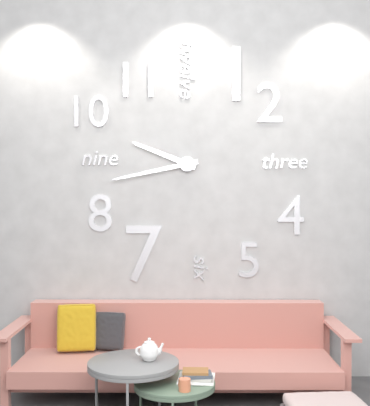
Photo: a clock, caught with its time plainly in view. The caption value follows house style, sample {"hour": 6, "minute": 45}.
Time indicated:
{"hour": 9, "minute": 43}
